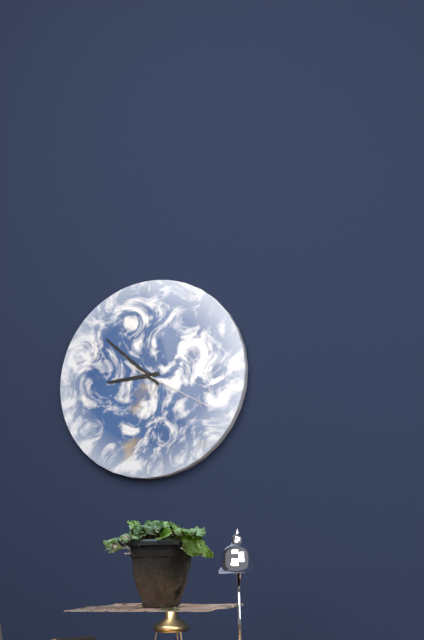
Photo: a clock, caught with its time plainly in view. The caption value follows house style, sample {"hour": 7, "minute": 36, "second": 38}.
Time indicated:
{"hour": 8, "minute": 52, "second": 20}
